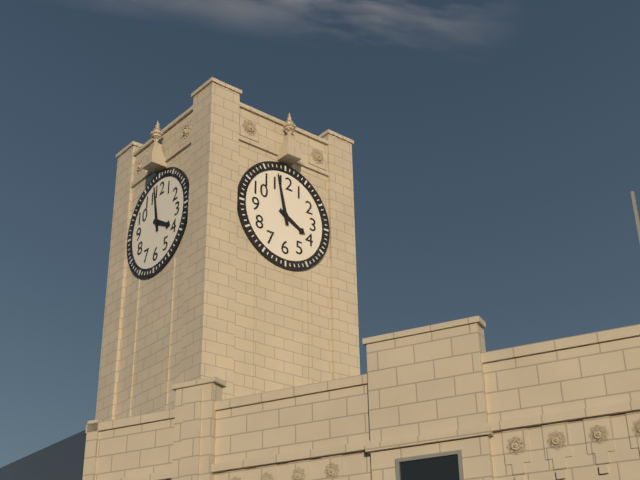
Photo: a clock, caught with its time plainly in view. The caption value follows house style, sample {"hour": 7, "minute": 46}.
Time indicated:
{"hour": 3, "minute": 58}
